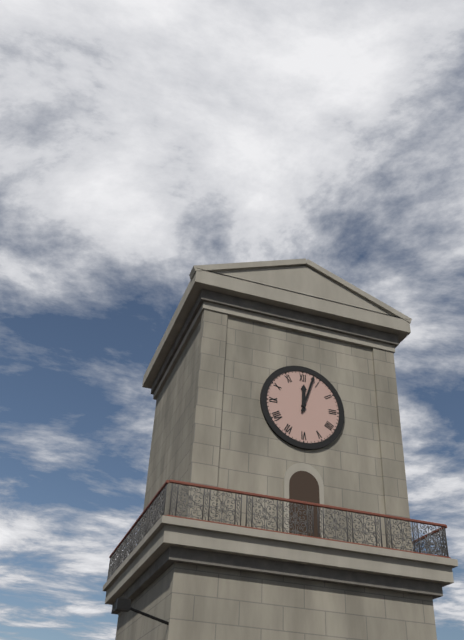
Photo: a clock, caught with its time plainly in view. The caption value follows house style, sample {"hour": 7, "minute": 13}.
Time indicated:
{"hour": 12, "minute": 3}
